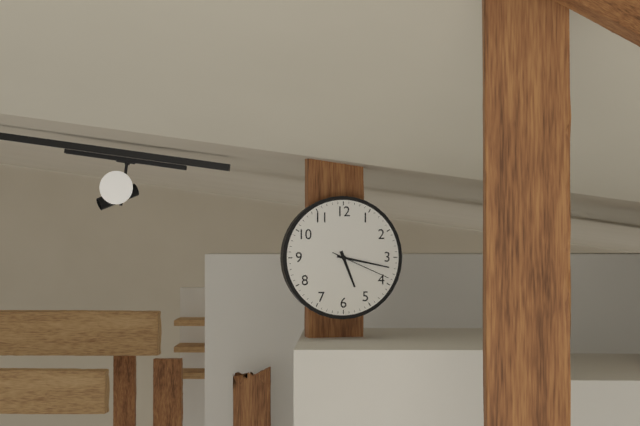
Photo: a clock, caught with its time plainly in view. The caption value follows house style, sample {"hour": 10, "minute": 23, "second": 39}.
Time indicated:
{"hour": 5, "minute": 17, "second": 19}
